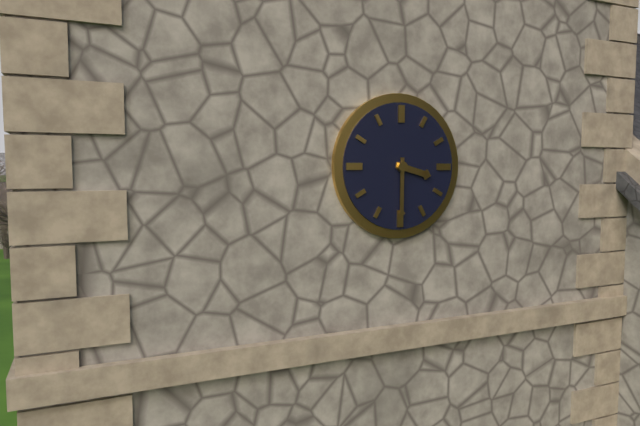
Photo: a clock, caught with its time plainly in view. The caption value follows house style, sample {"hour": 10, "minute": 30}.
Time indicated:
{"hour": 3, "minute": 30}
